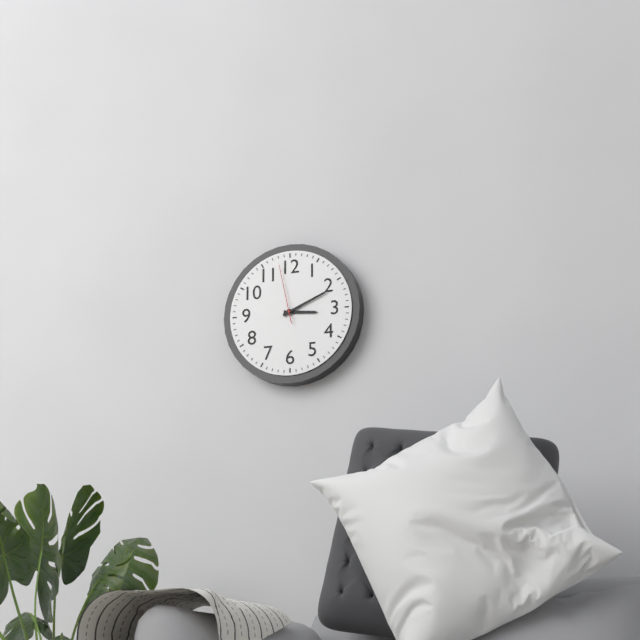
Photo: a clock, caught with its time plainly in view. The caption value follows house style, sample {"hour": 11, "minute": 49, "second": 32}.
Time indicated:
{"hour": 3, "minute": 11, "second": 58}
